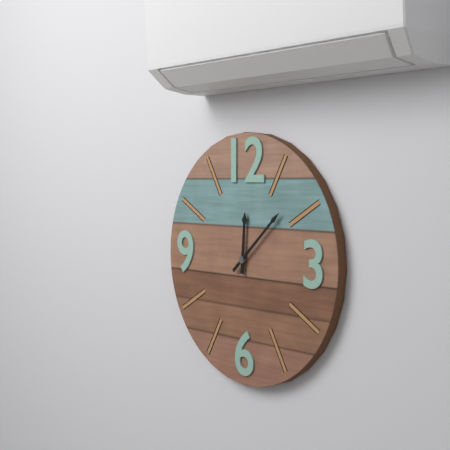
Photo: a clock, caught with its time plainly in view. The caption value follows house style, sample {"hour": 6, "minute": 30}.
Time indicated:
{"hour": 12, "minute": 8}
